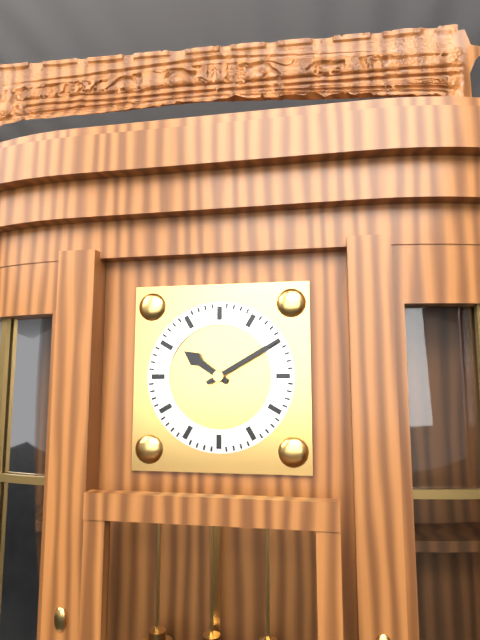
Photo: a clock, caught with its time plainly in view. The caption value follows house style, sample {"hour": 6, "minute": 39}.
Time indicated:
{"hour": 10, "minute": 10}
